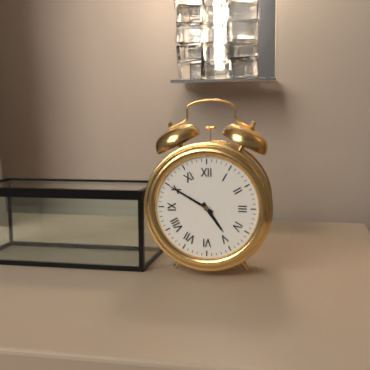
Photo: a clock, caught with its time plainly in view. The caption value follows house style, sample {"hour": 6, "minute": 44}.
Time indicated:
{"hour": 4, "minute": 50}
